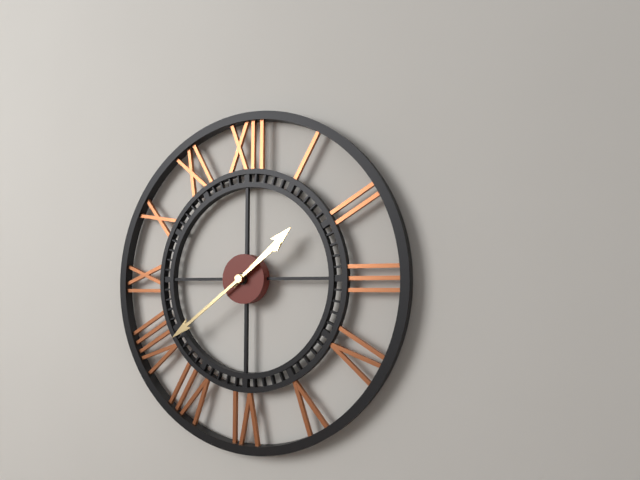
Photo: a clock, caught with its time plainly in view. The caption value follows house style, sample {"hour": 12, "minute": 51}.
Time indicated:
{"hour": 1, "minute": 39}
